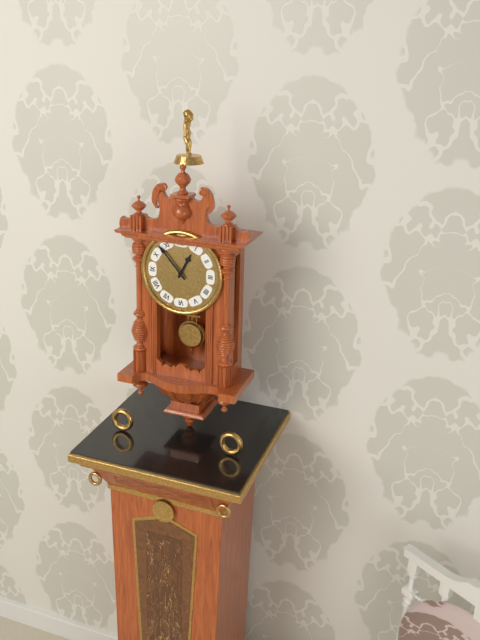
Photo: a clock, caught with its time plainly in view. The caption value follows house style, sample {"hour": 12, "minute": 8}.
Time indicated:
{"hour": 12, "minute": 53}
